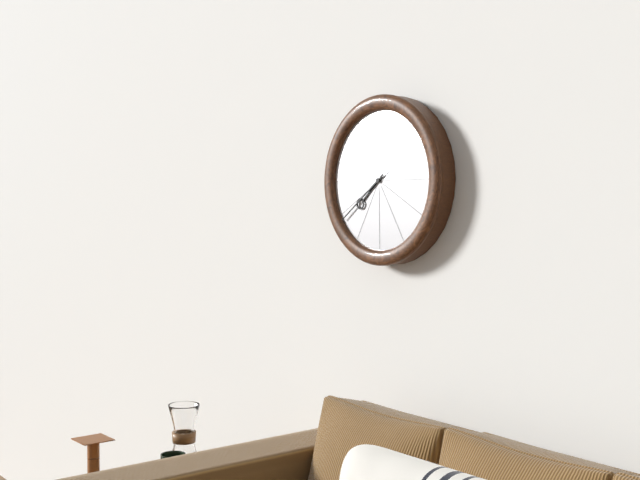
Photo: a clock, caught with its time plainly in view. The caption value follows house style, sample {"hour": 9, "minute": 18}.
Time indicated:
{"hour": 7, "minute": 39}
